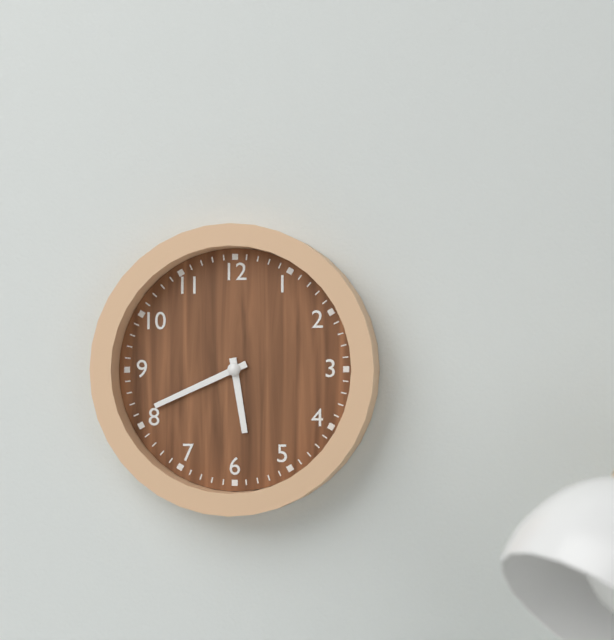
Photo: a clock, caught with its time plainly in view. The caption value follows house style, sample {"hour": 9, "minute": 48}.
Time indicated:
{"hour": 5, "minute": 41}
